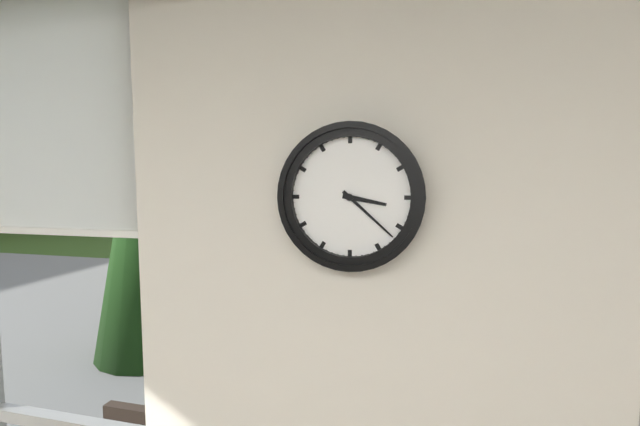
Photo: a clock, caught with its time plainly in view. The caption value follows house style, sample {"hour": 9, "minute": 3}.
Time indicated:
{"hour": 3, "minute": 22}
